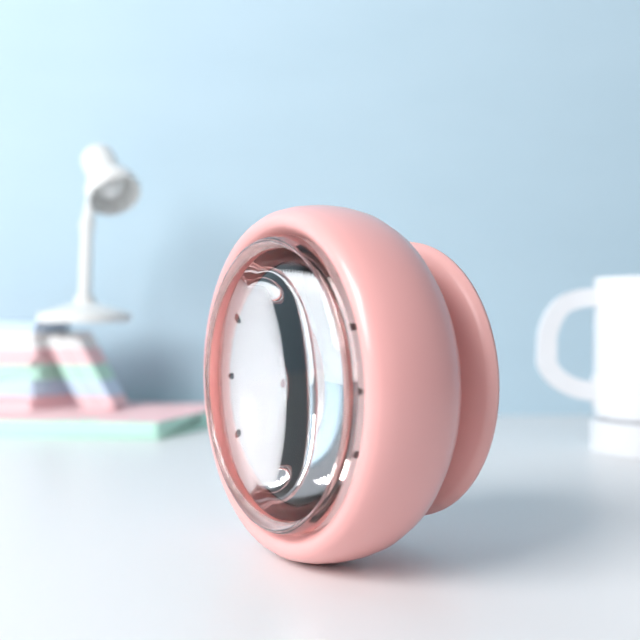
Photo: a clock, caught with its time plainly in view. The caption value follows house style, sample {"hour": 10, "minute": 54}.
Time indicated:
{"hour": 2, "minute": 6}
